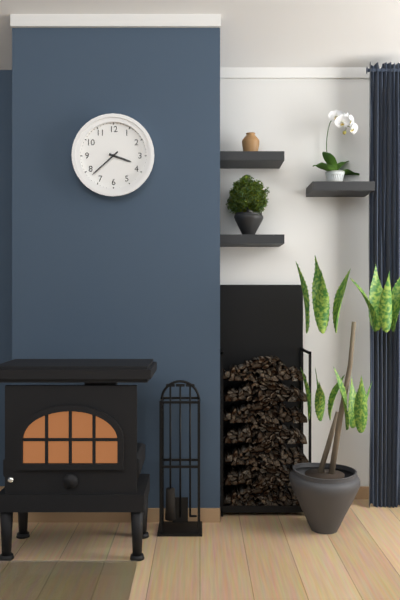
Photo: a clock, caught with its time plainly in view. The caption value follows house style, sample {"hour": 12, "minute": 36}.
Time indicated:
{"hour": 3, "minute": 38}
